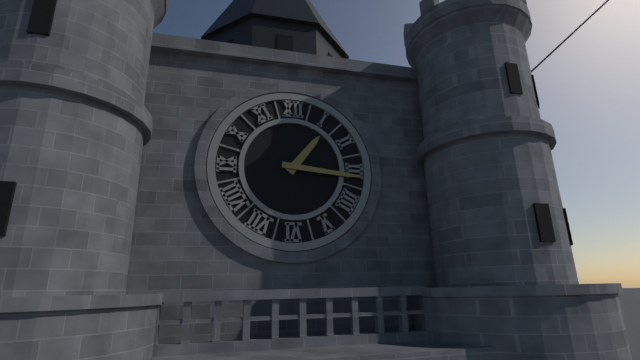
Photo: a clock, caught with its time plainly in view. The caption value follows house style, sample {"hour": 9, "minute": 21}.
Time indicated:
{"hour": 1, "minute": 16}
